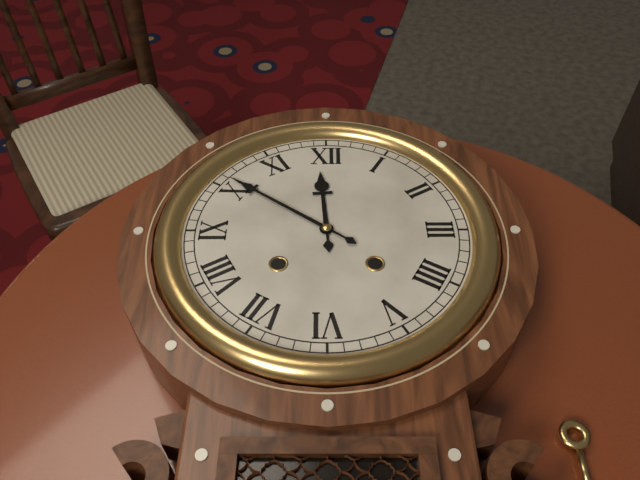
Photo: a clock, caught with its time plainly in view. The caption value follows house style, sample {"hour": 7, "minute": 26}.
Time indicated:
{"hour": 11, "minute": 51}
